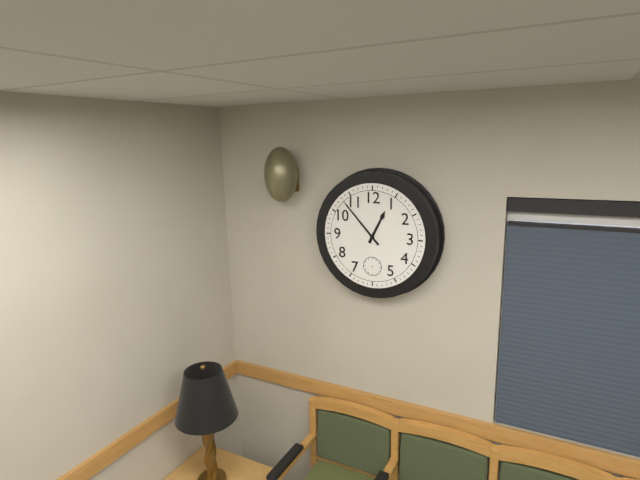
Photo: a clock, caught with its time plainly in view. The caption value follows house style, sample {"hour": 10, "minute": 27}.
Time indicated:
{"hour": 12, "minute": 53}
